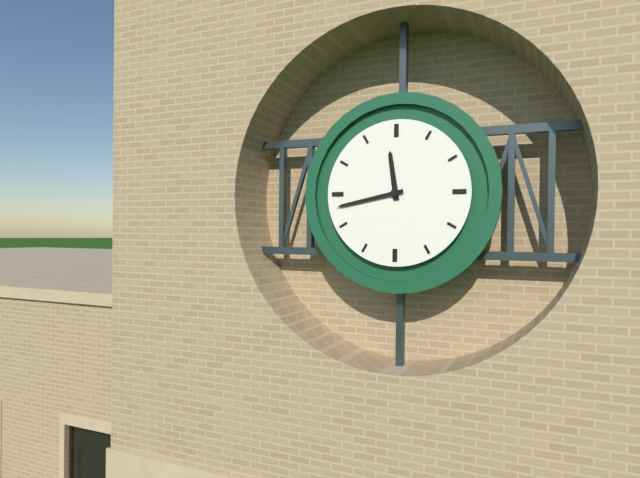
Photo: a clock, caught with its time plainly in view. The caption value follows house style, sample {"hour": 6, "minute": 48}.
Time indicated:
{"hour": 11, "minute": 43}
